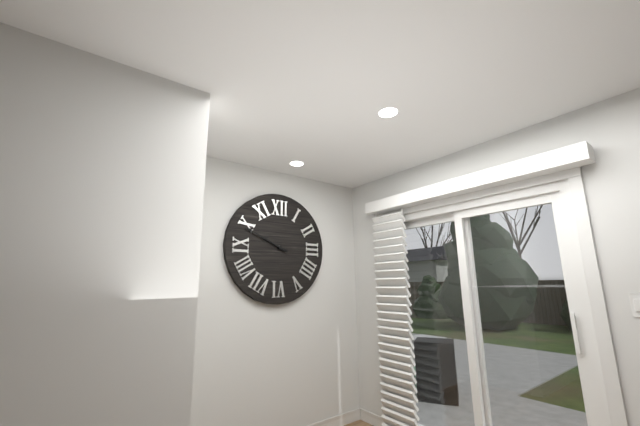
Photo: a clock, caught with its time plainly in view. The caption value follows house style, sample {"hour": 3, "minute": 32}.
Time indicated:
{"hour": 9, "minute": 49}
